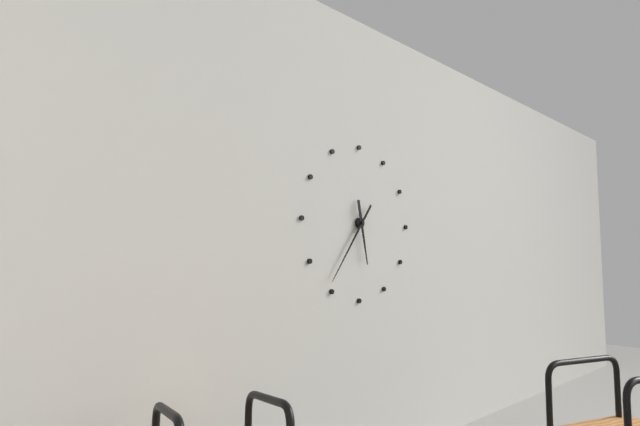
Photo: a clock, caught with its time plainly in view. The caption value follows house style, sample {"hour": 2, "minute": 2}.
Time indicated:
{"hour": 5, "minute": 36}
